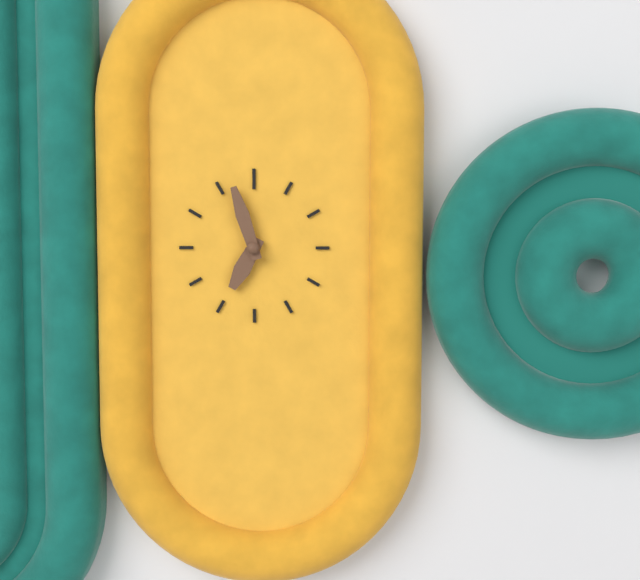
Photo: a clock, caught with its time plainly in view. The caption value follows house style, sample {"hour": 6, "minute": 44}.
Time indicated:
{"hour": 6, "minute": 57}
